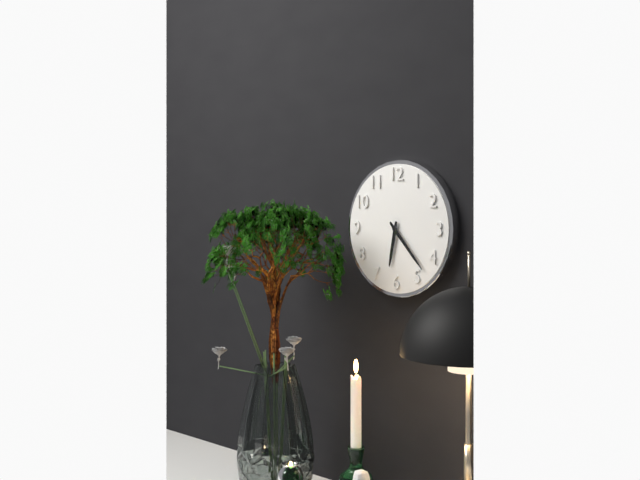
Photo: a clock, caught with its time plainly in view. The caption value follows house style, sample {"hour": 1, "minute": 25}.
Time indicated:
{"hour": 6, "minute": 23}
